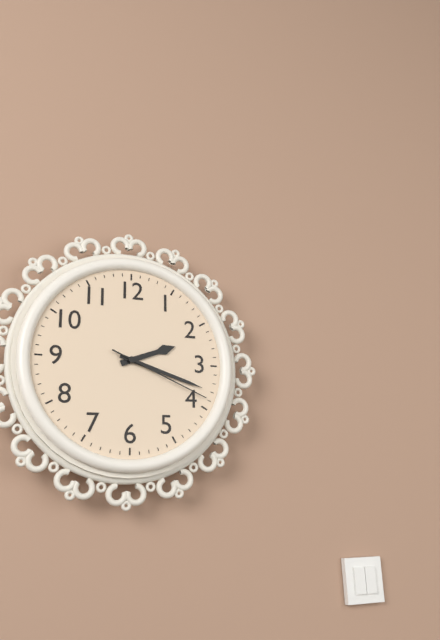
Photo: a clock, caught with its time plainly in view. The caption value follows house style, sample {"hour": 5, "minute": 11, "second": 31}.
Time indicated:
{"hour": 2, "minute": 18, "second": 19}
